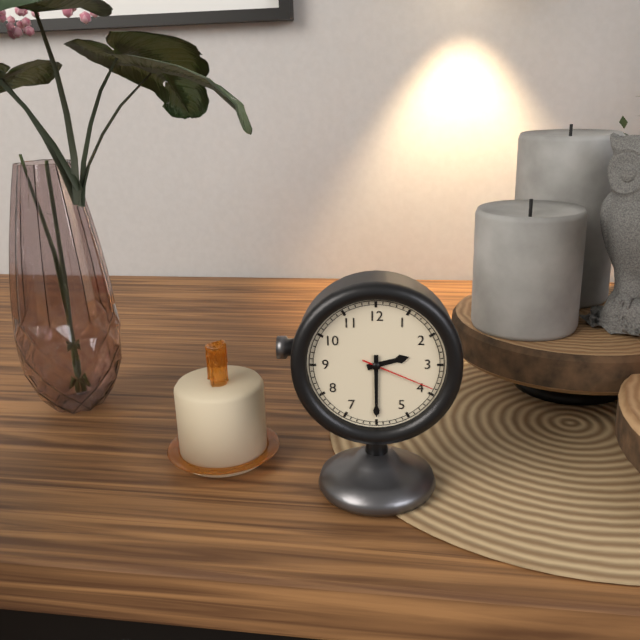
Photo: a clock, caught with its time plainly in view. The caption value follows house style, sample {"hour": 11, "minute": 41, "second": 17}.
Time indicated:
{"hour": 2, "minute": 30, "second": 19}
